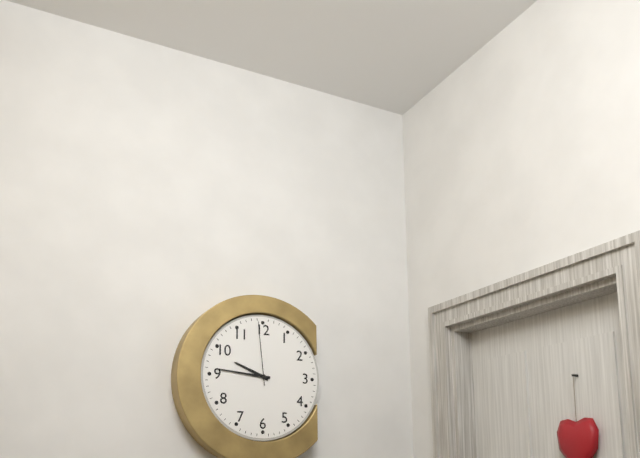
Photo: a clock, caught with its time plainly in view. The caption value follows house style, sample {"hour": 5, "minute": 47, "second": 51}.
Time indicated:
{"hour": 9, "minute": 46, "second": 59}
